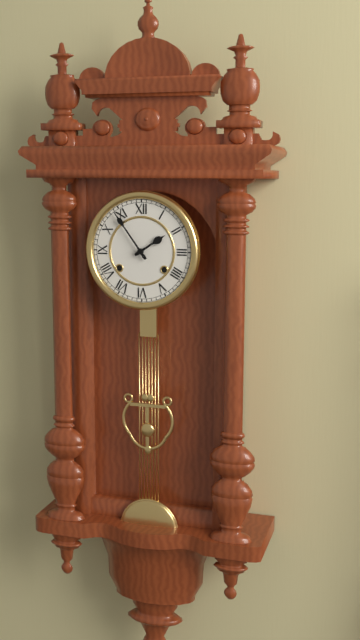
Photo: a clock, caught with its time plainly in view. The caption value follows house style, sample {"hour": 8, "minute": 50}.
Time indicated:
{"hour": 1, "minute": 54}
